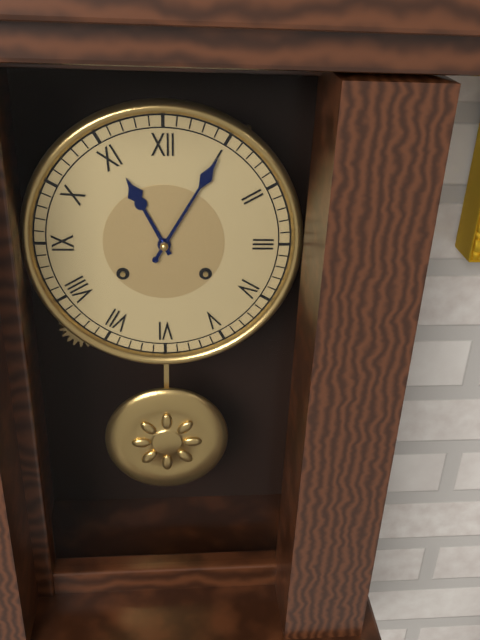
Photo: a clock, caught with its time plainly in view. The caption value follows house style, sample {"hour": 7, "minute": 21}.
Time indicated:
{"hour": 11, "minute": 5}
